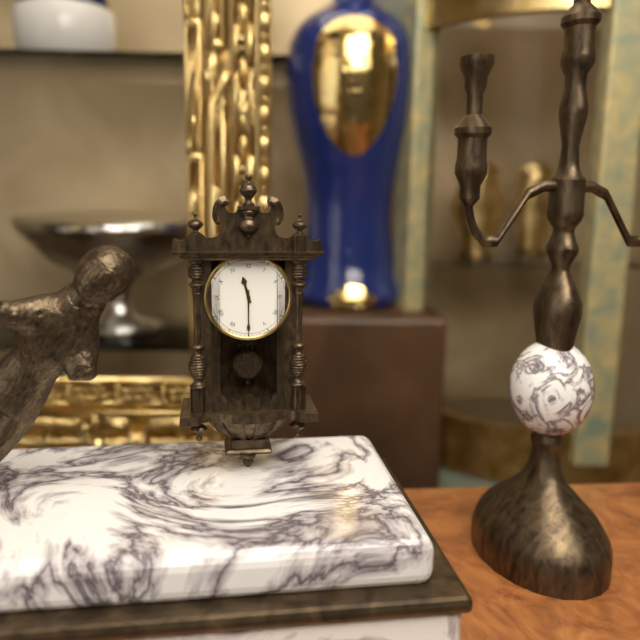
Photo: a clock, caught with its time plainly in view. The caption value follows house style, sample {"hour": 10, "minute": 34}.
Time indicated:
{"hour": 11, "minute": 30}
